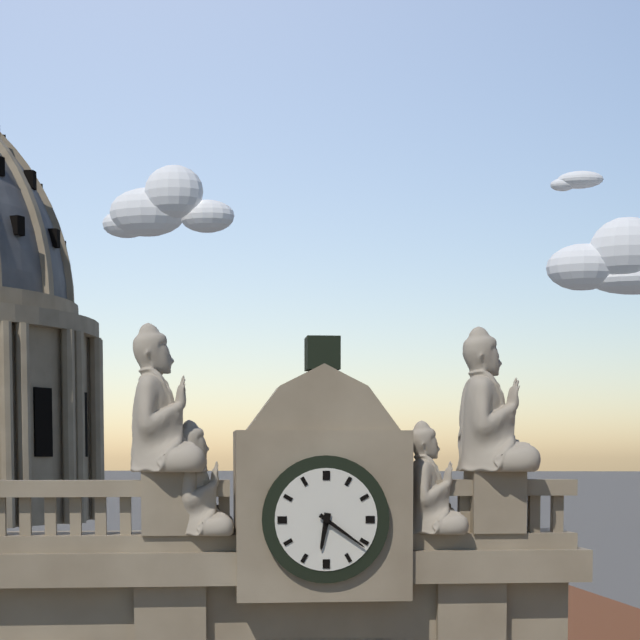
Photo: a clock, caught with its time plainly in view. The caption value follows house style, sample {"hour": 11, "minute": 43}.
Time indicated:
{"hour": 6, "minute": 21}
